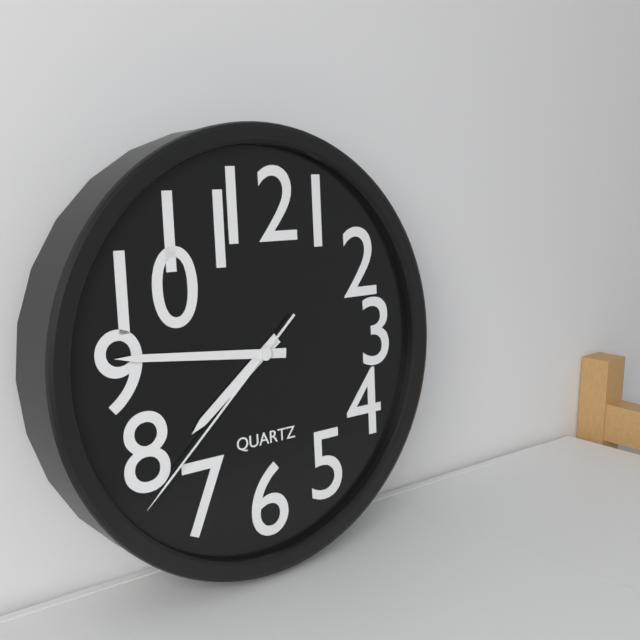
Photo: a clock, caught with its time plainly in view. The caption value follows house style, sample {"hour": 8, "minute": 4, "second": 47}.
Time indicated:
{"hour": 7, "minute": 46, "second": 38}
